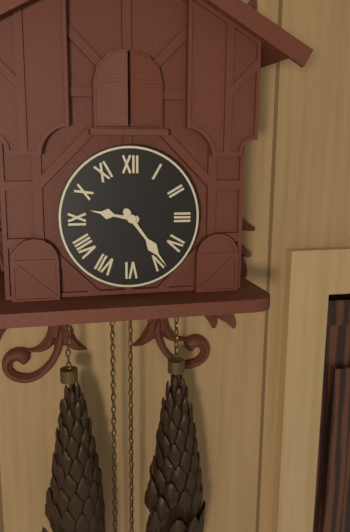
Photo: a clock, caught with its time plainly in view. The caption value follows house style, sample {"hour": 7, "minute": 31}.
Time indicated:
{"hour": 9, "minute": 24}
